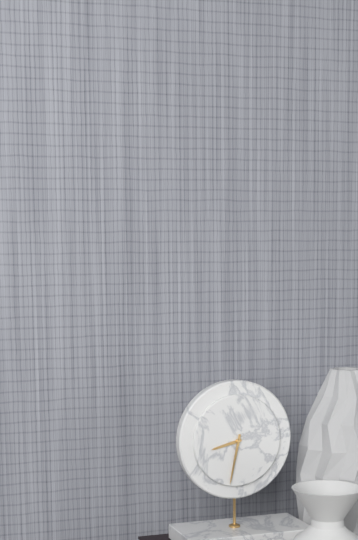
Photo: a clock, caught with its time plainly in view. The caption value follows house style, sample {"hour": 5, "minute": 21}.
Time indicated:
{"hour": 8, "minute": 32}
